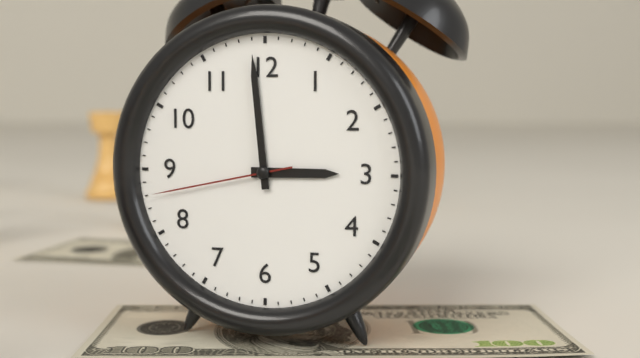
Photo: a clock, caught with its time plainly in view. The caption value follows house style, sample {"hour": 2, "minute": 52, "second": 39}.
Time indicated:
{"hour": 2, "minute": 59, "second": 43}
